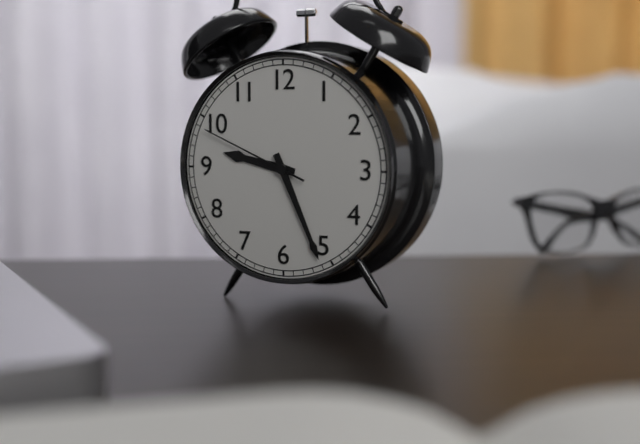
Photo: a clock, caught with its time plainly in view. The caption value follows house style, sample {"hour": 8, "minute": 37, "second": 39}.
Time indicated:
{"hour": 9, "minute": 26, "second": 49}
